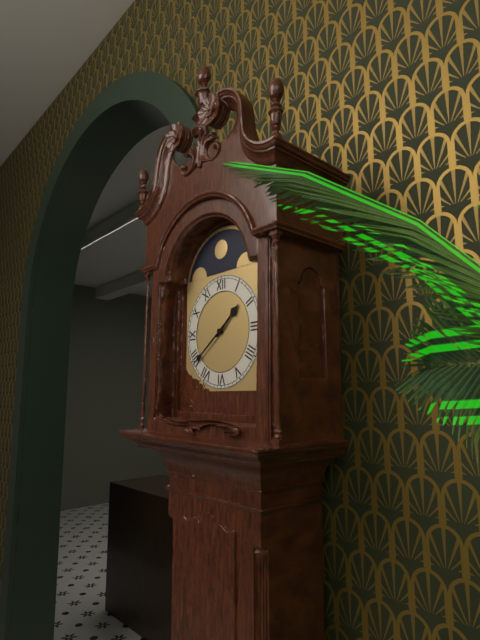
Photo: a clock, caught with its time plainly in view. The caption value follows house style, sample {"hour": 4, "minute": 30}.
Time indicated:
{"hour": 1, "minute": 39}
